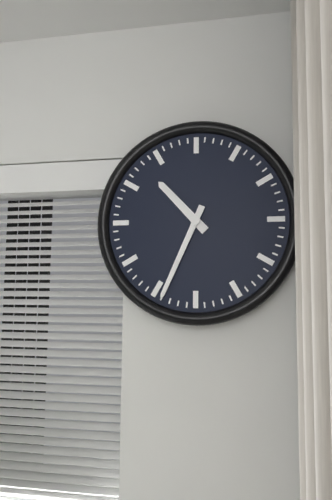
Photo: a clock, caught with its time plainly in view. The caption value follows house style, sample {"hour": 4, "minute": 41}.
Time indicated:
{"hour": 10, "minute": 34}
